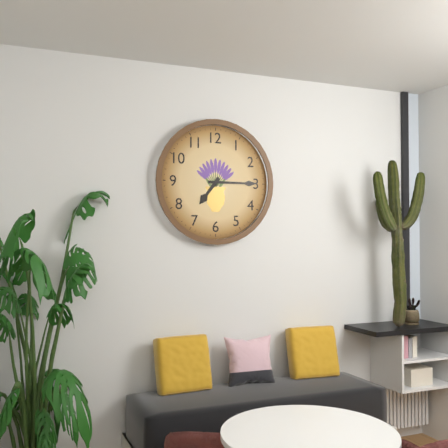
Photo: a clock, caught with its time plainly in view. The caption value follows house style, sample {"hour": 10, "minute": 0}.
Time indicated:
{"hour": 7, "minute": 15}
